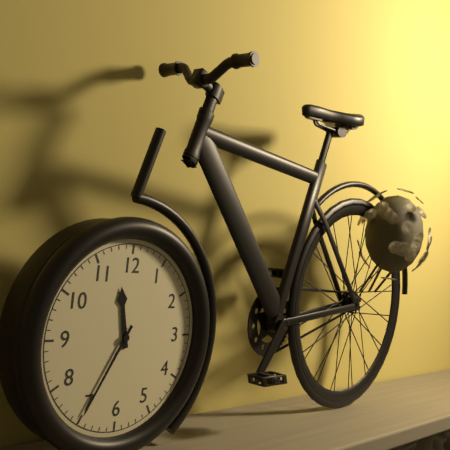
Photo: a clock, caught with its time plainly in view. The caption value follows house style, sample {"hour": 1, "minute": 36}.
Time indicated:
{"hour": 11, "minute": 35}
